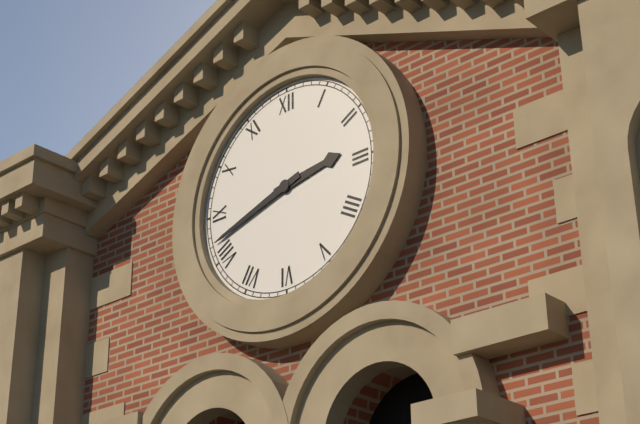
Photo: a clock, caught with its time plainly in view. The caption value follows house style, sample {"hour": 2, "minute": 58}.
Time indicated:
{"hour": 2, "minute": 42}
